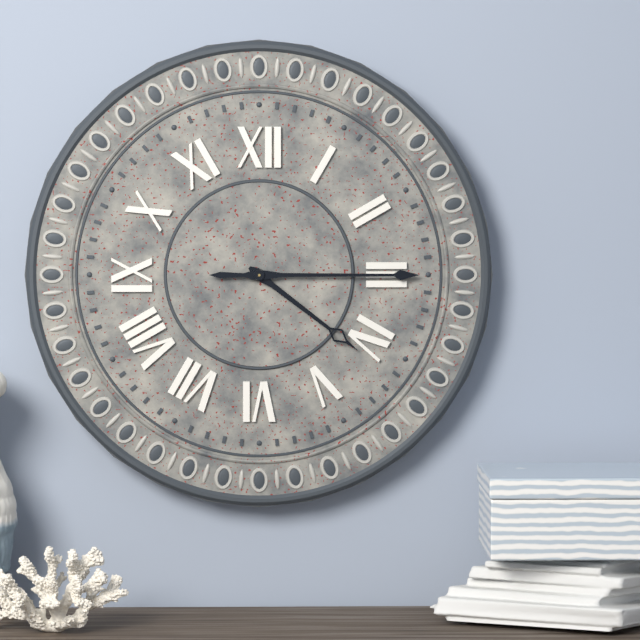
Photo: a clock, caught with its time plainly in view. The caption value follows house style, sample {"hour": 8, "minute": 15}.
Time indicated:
{"hour": 4, "minute": 15}
